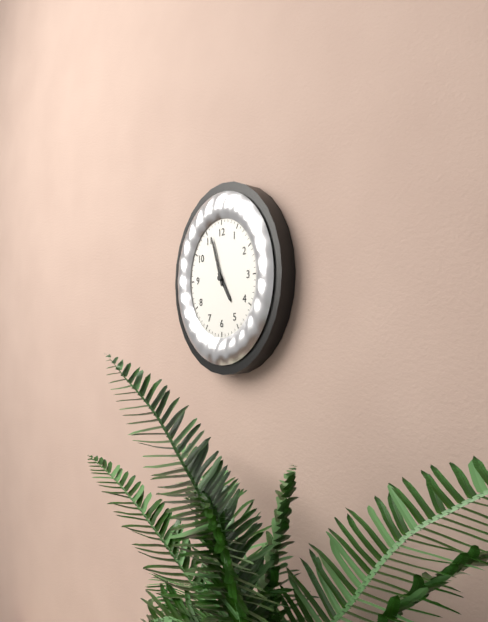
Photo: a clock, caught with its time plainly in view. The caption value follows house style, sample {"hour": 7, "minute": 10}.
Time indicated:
{"hour": 4, "minute": 57}
